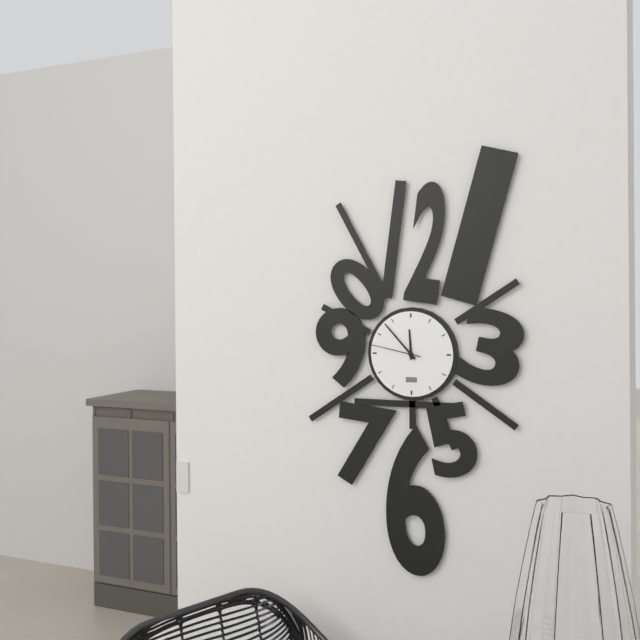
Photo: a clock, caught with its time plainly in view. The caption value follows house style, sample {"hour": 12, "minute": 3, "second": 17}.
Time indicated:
{"hour": 11, "minute": 53, "second": 47}
